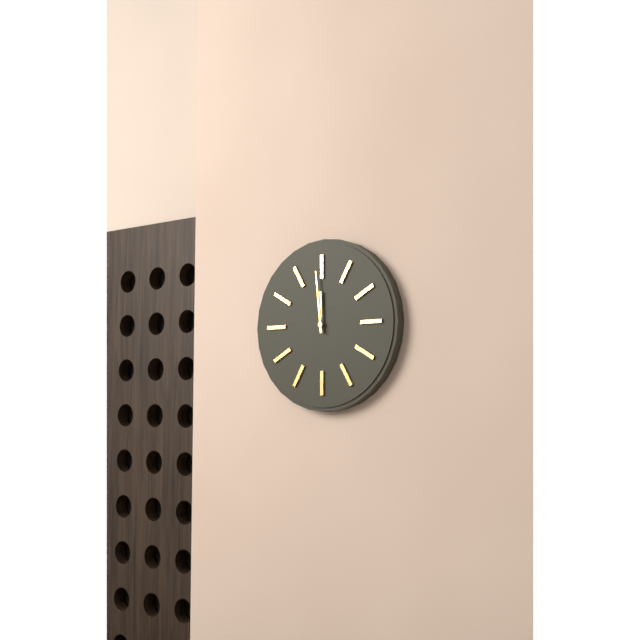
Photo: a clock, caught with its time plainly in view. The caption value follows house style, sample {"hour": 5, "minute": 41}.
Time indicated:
{"hour": 11, "minute": 59}
